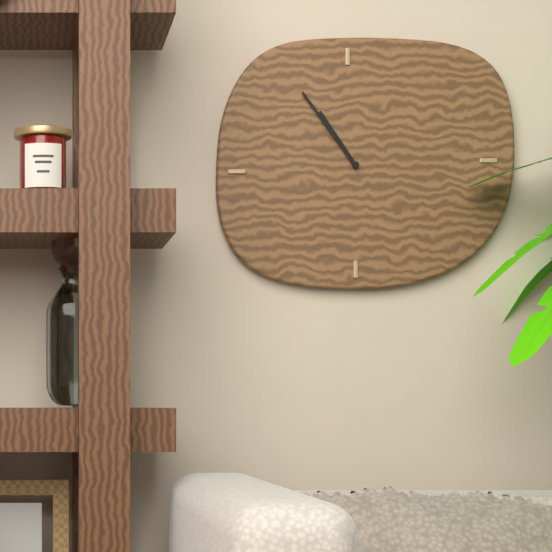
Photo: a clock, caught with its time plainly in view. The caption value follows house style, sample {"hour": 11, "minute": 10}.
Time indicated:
{"hour": 10, "minute": 54}
